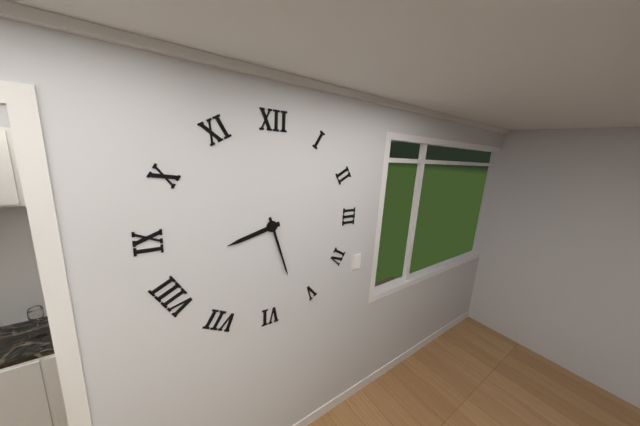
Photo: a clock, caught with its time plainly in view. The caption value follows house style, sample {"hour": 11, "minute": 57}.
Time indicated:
{"hour": 8, "minute": 27}
